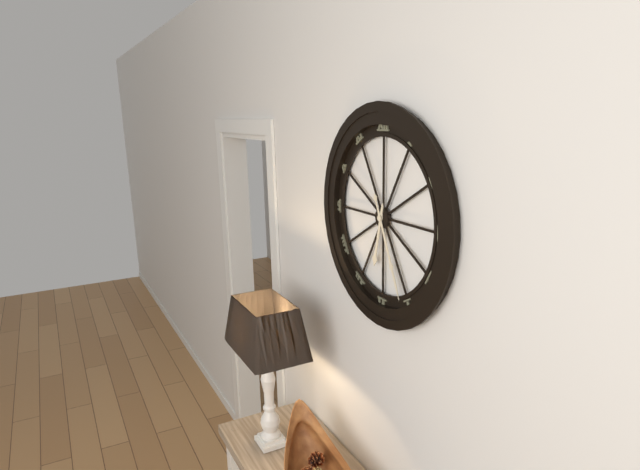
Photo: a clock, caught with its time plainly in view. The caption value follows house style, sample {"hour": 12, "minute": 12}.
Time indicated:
{"hour": 6, "minute": 26}
